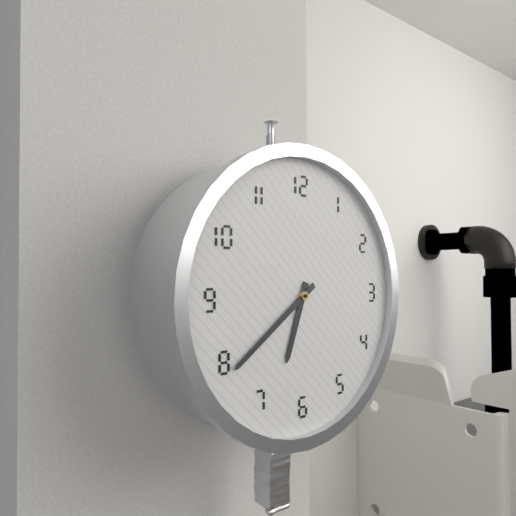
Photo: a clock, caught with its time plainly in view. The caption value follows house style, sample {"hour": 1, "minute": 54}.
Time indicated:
{"hour": 6, "minute": 39}
